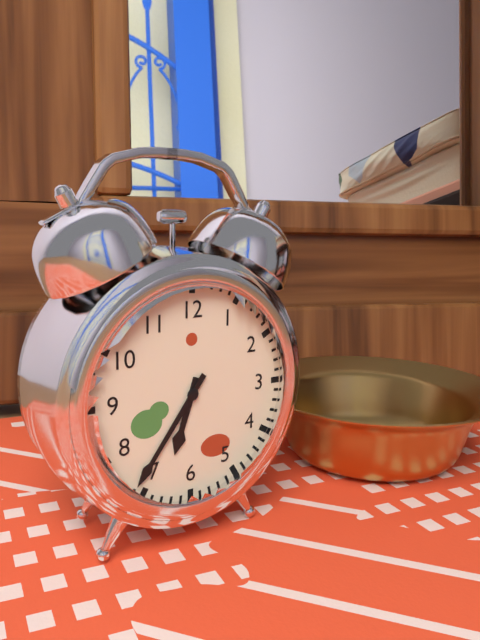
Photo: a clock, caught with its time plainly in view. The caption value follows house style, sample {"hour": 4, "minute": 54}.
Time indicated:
{"hour": 6, "minute": 36}
